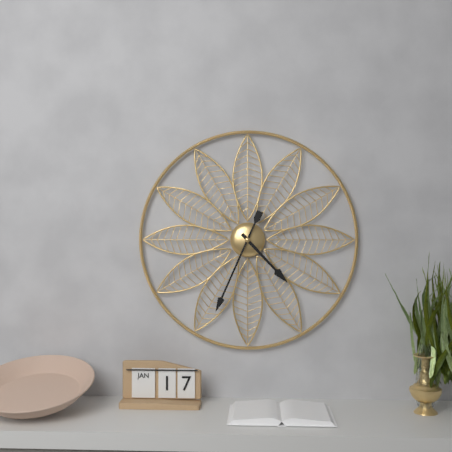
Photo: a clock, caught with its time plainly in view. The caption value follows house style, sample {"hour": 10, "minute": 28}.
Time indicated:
{"hour": 4, "minute": 34}
